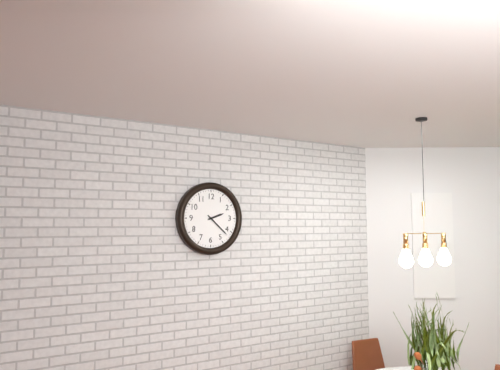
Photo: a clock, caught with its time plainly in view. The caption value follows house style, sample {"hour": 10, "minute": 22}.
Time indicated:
{"hour": 2, "minute": 22}
